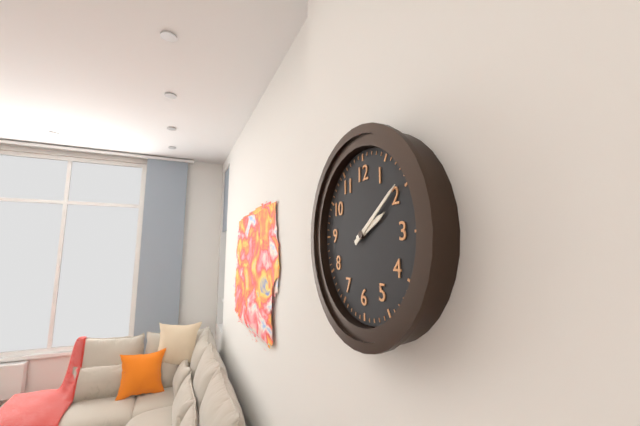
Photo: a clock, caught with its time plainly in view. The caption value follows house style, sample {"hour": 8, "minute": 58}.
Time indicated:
{"hour": 2, "minute": 9}
